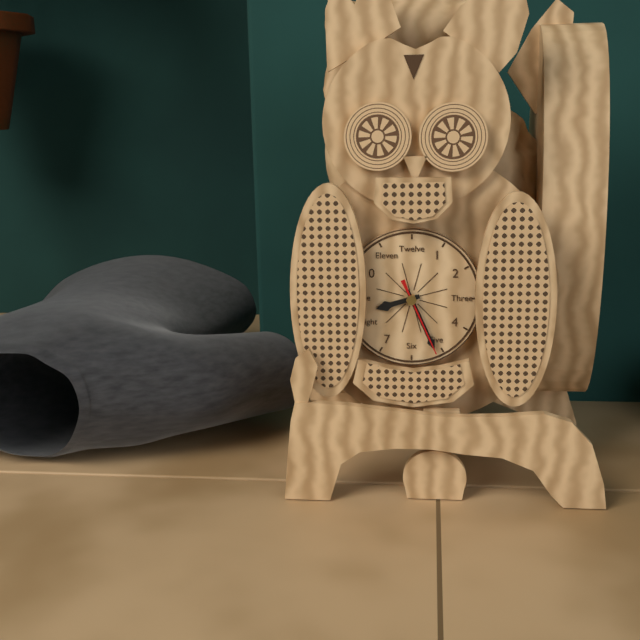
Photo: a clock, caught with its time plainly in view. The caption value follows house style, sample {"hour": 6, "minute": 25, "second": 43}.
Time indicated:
{"hour": 8, "minute": 26, "second": 26}
